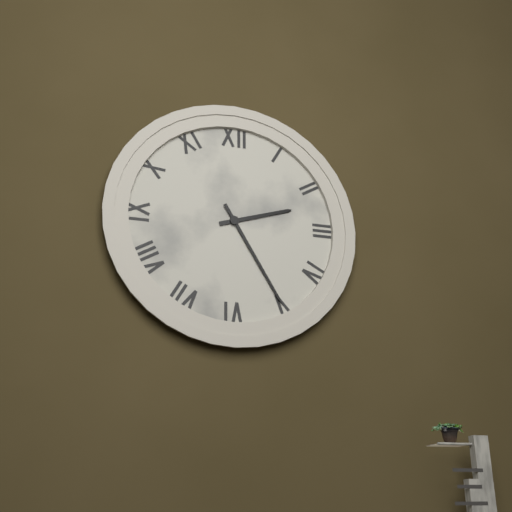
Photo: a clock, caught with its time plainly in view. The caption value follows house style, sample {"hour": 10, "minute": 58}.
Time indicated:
{"hour": 2, "minute": 25}
